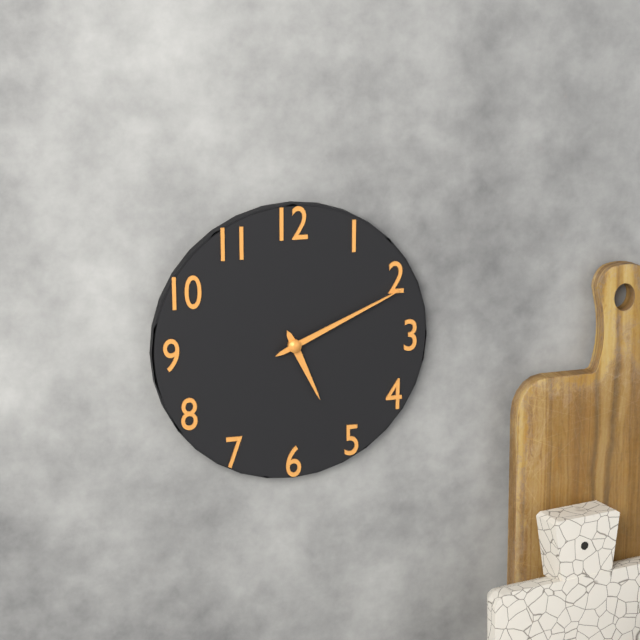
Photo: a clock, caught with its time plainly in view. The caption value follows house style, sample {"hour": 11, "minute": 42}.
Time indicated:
{"hour": 5, "minute": 11}
